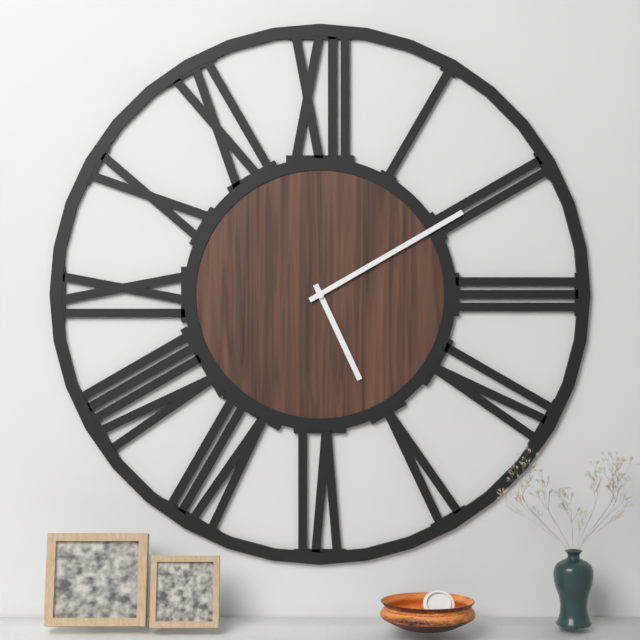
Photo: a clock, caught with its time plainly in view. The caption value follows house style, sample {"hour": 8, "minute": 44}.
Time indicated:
{"hour": 5, "minute": 10}
